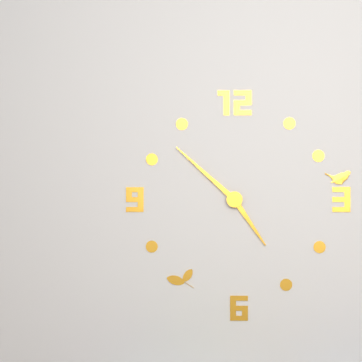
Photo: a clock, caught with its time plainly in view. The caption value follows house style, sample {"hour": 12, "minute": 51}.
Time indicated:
{"hour": 4, "minute": 52}
